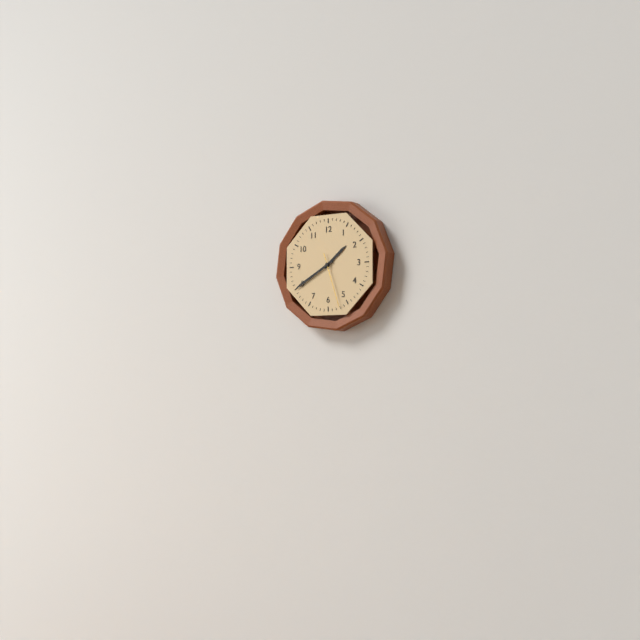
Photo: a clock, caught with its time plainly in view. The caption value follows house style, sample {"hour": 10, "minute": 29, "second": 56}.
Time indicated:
{"hour": 1, "minute": 40, "second": 27}
